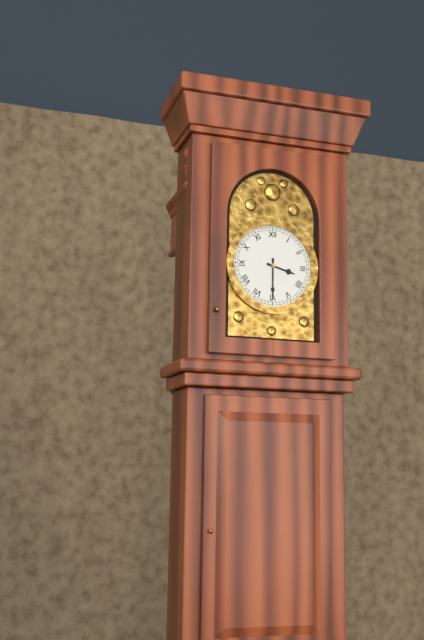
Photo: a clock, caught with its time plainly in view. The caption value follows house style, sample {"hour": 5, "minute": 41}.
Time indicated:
{"hour": 3, "minute": 30}
